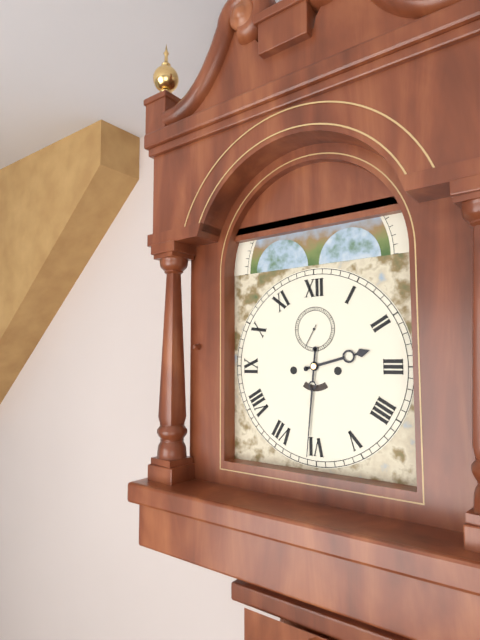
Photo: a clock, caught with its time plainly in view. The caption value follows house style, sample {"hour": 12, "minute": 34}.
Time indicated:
{"hour": 2, "minute": 31}
